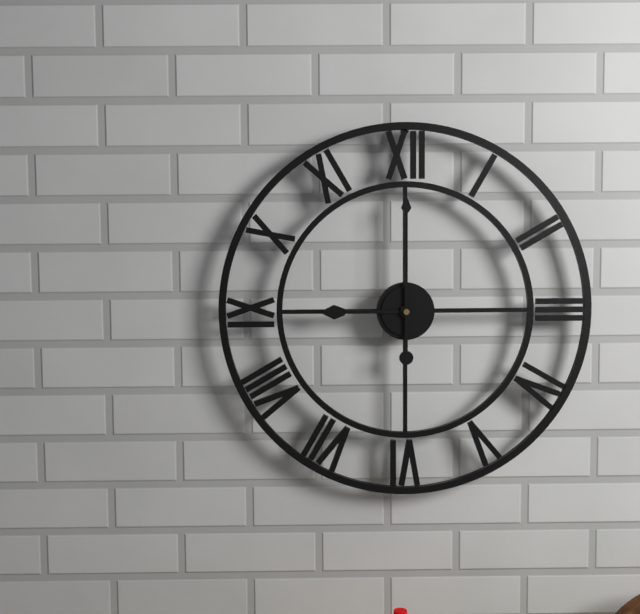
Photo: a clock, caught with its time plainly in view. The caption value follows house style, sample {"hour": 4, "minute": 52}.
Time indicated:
{"hour": 9, "minute": 0}
